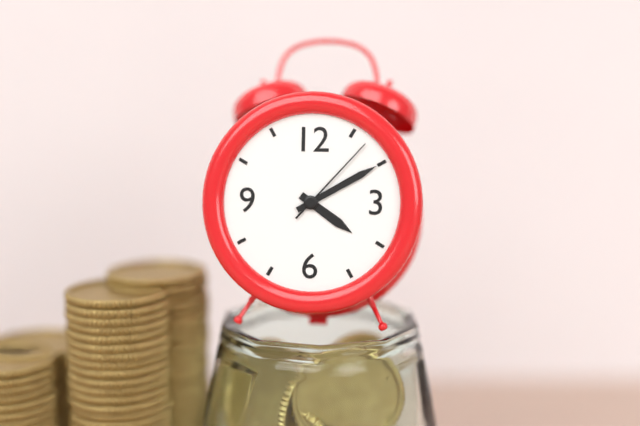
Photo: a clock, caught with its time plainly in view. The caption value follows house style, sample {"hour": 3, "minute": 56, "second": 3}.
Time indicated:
{"hour": 4, "minute": 10, "second": 7}
